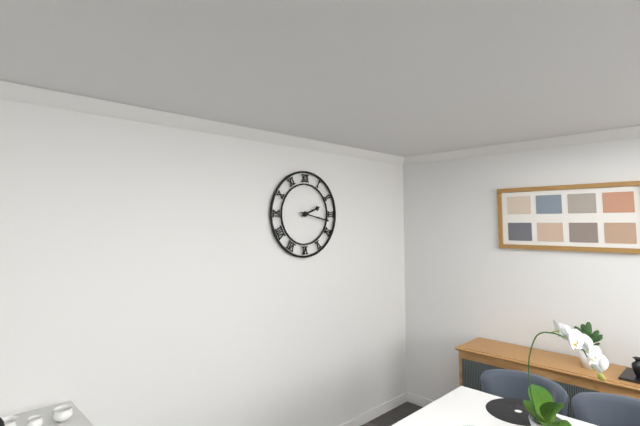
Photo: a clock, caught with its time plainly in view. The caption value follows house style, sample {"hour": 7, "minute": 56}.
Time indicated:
{"hour": 2, "minute": 17}
